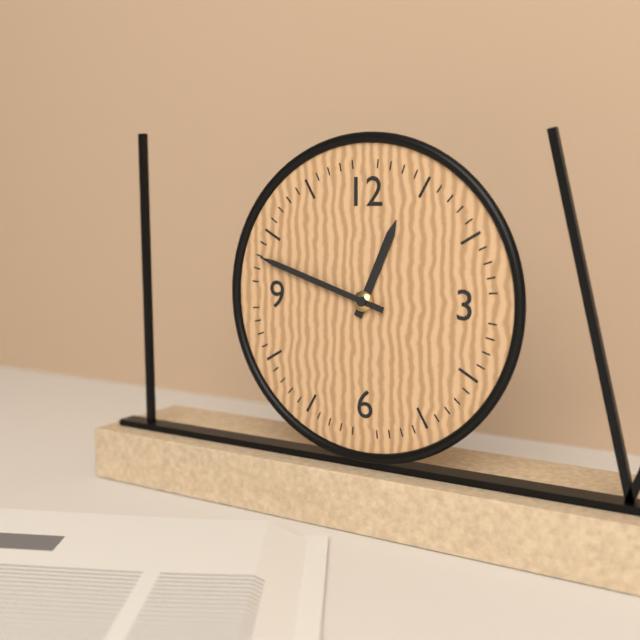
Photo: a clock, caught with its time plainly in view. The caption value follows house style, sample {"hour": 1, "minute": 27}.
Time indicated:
{"hour": 12, "minute": 48}
